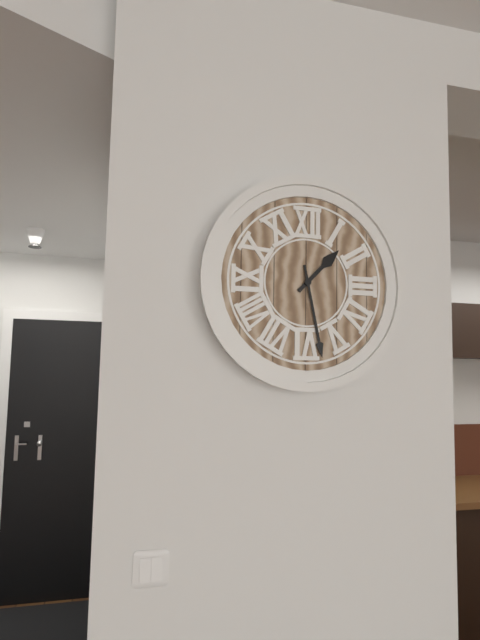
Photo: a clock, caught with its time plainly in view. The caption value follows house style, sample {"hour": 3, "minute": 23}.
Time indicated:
{"hour": 1, "minute": 28}
